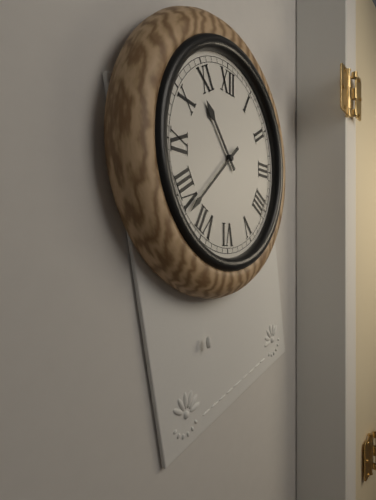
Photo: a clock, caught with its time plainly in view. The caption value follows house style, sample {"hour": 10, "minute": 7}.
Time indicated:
{"hour": 10, "minute": 38}
